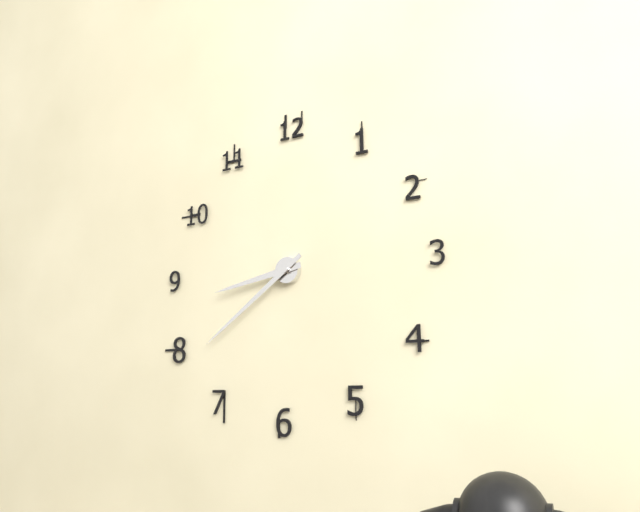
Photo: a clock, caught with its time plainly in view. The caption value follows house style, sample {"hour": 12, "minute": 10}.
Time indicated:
{"hour": 8, "minute": 39}
